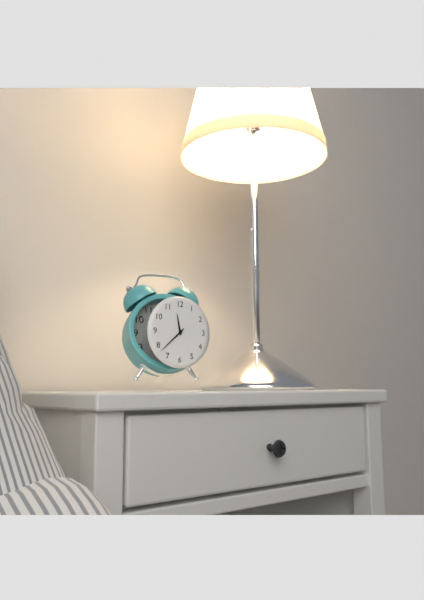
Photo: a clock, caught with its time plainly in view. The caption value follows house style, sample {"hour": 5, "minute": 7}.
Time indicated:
{"hour": 11, "minute": 38}
